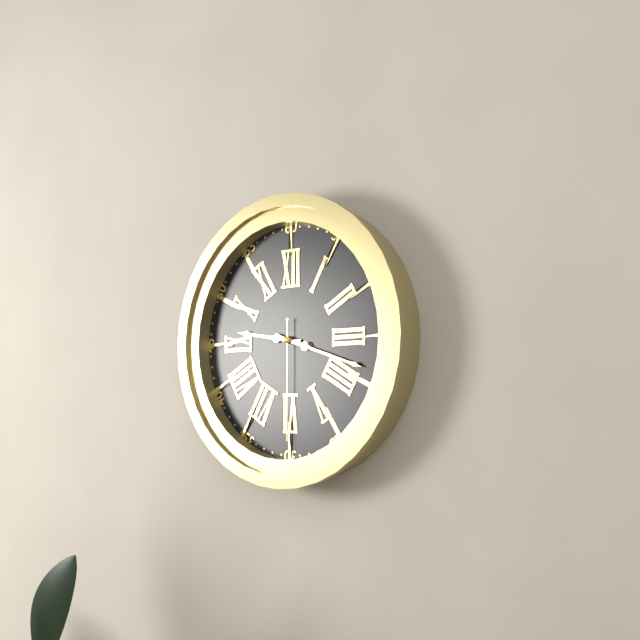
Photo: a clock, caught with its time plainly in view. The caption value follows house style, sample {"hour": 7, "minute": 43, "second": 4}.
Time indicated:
{"hour": 9, "minute": 18, "second": 30}
